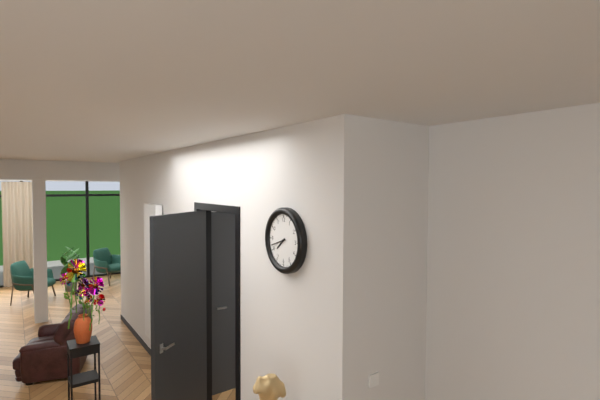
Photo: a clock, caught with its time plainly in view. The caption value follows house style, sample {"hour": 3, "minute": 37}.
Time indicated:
{"hour": 7, "minute": 42}
